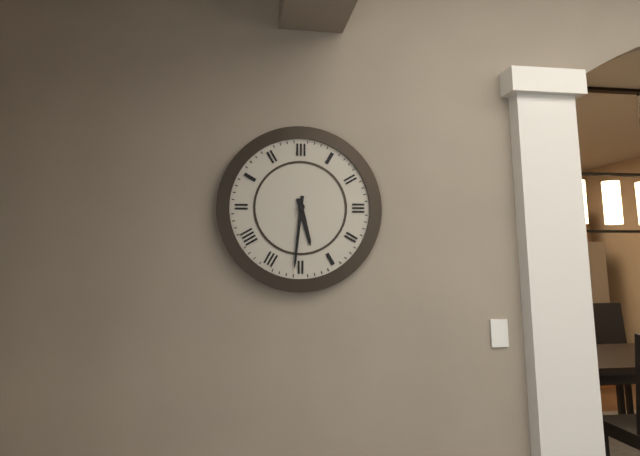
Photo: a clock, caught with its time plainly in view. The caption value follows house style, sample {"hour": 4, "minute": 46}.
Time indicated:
{"hour": 5, "minute": 31}
